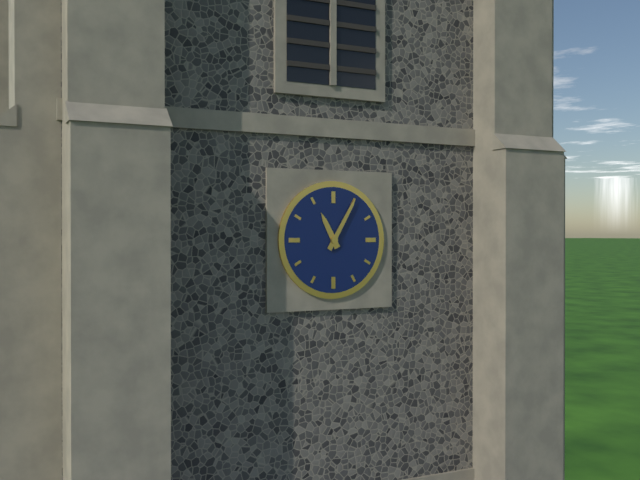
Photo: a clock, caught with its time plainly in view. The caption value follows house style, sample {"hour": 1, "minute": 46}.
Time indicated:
{"hour": 11, "minute": 5}
